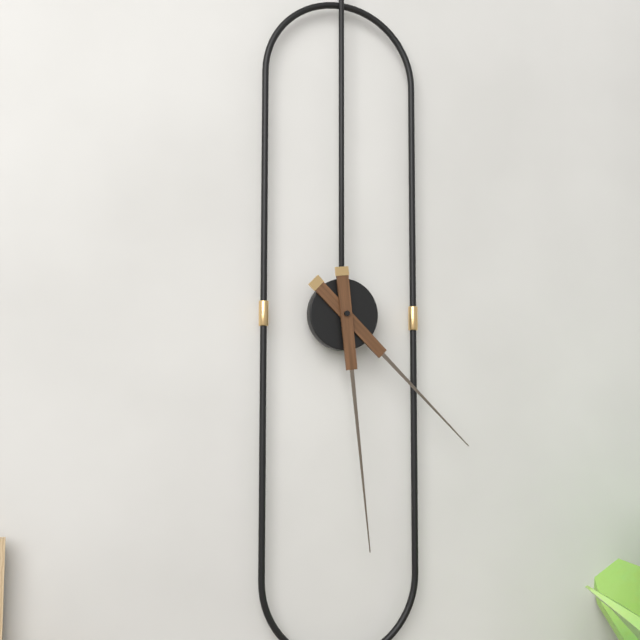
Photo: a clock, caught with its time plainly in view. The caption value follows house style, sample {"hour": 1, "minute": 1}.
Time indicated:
{"hour": 4, "minute": 29}
